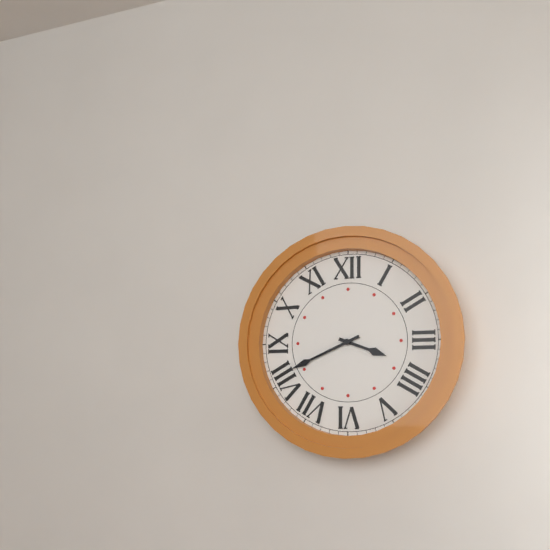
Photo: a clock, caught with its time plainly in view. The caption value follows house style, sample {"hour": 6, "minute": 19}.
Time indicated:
{"hour": 3, "minute": 41}
